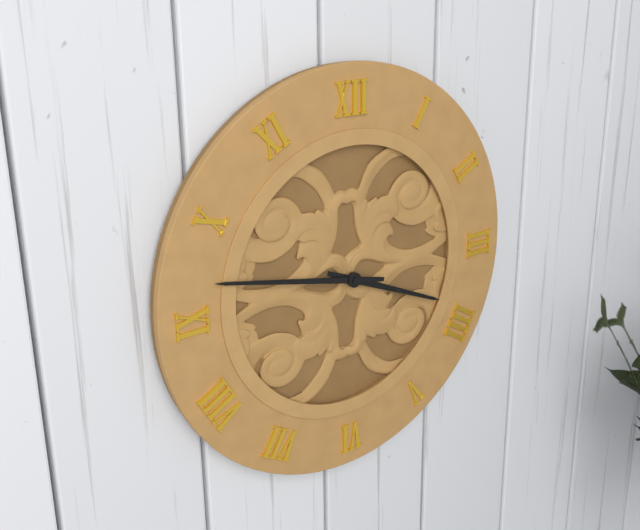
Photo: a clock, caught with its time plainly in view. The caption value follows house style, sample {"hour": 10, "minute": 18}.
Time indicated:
{"hour": 3, "minute": 47}
